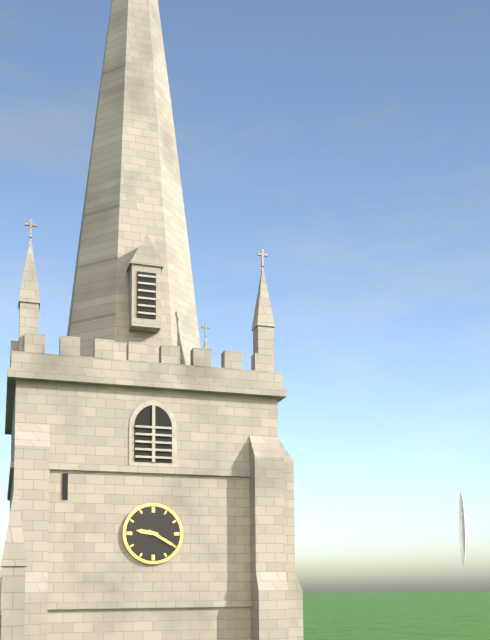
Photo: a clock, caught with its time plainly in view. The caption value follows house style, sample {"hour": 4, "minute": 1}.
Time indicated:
{"hour": 9, "minute": 20}
